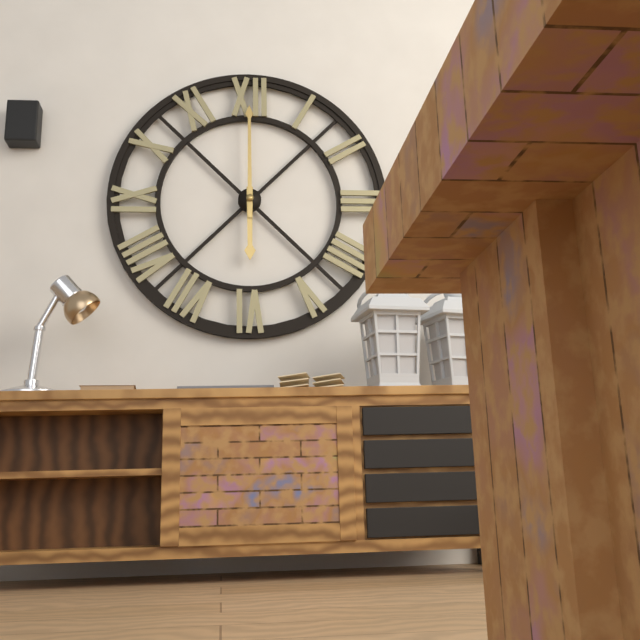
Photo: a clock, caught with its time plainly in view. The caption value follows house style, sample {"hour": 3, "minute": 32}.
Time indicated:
{"hour": 6, "minute": 0}
